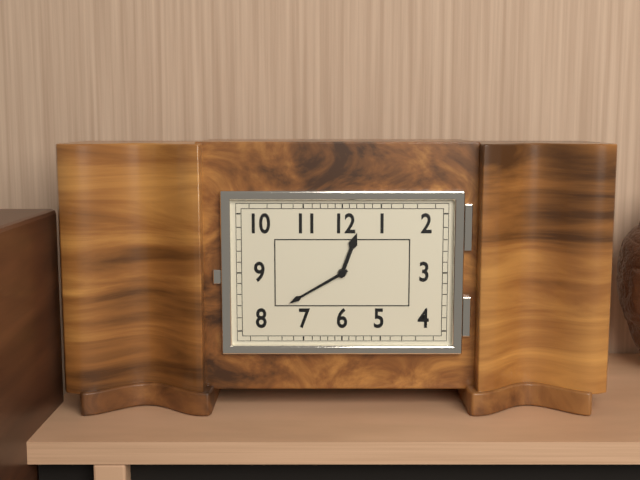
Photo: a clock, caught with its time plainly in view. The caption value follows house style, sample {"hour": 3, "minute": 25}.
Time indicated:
{"hour": 12, "minute": 40}
